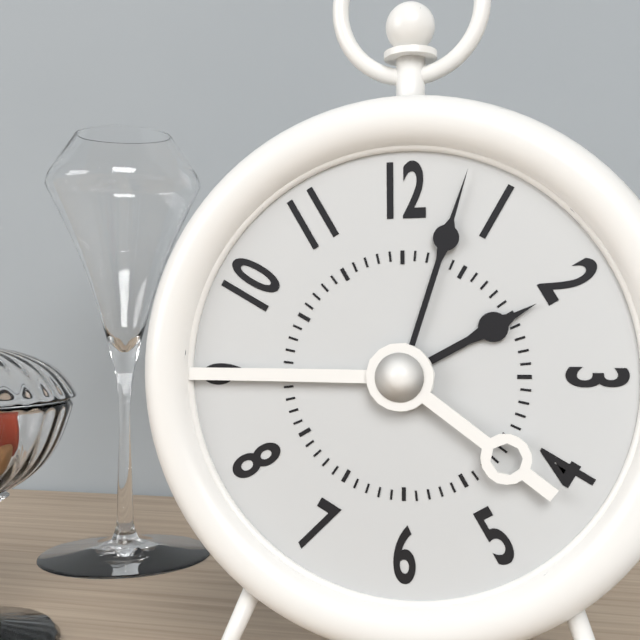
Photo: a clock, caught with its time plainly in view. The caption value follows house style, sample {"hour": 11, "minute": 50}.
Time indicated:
{"hour": 2, "minute": 3}
